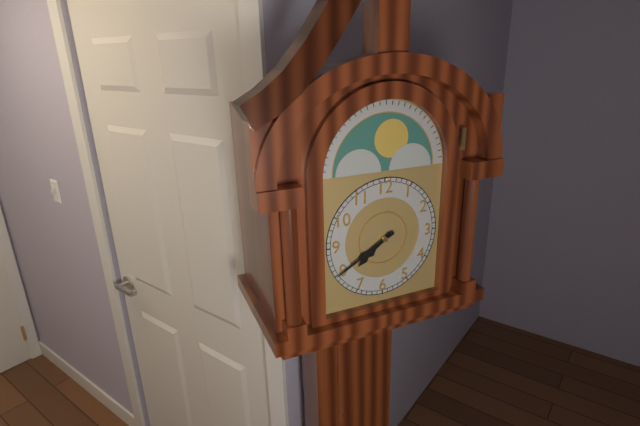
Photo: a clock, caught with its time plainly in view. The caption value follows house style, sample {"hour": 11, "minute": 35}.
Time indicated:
{"hour": 7, "minute": 40}
